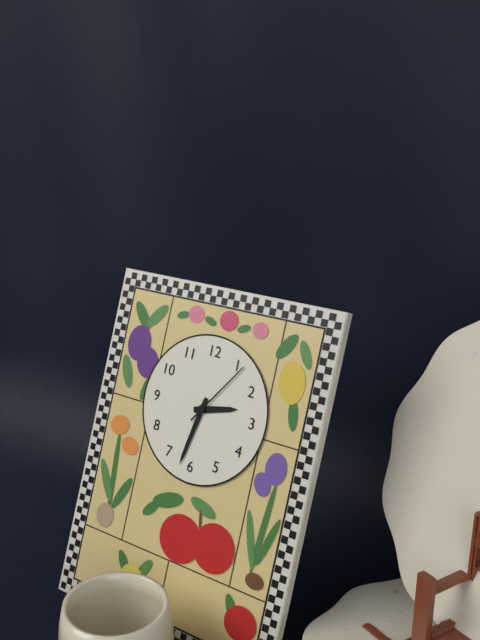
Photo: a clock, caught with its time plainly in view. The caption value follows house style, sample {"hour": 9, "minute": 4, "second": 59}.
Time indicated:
{"hour": 2, "minute": 32, "second": 6}
